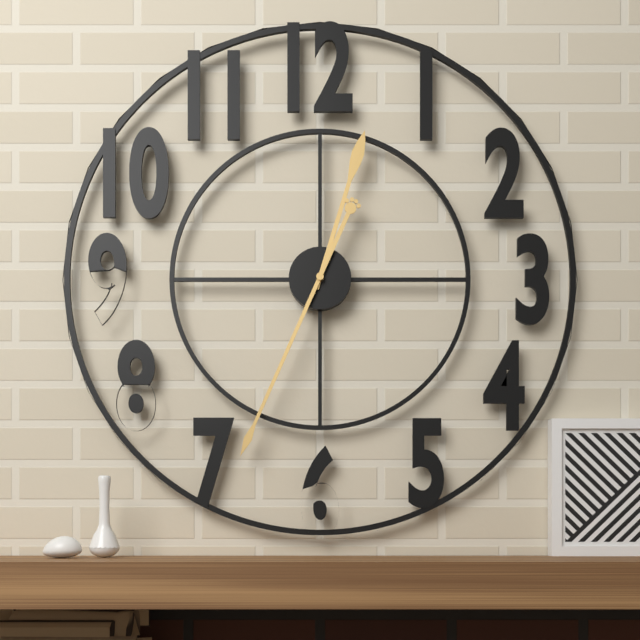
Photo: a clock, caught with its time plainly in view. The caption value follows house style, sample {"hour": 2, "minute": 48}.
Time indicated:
{"hour": 12, "minute": 34}
